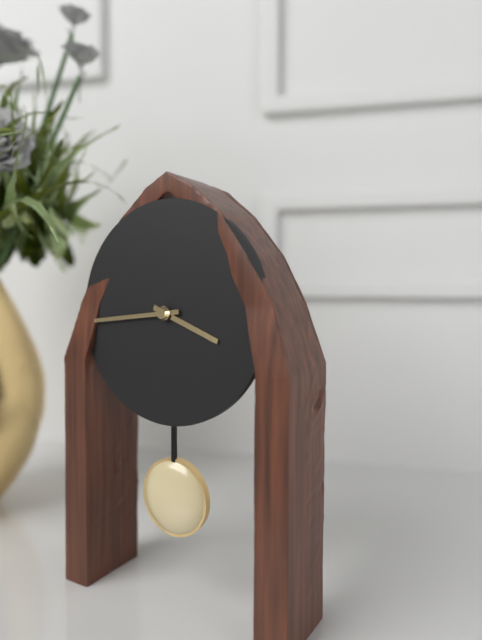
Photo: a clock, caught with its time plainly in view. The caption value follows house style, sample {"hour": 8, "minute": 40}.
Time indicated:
{"hour": 3, "minute": 44}
